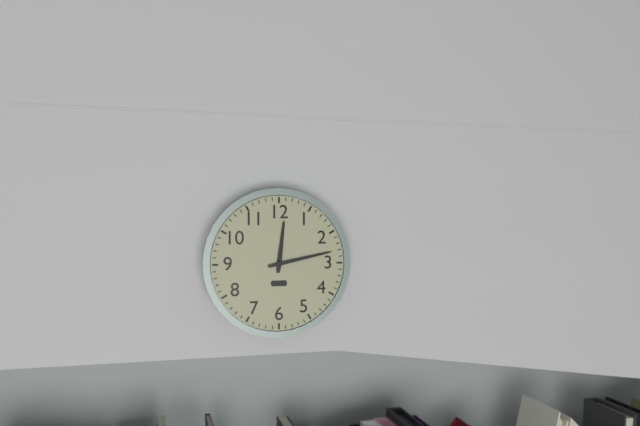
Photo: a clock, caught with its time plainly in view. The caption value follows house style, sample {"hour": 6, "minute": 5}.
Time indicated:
{"hour": 12, "minute": 13}
